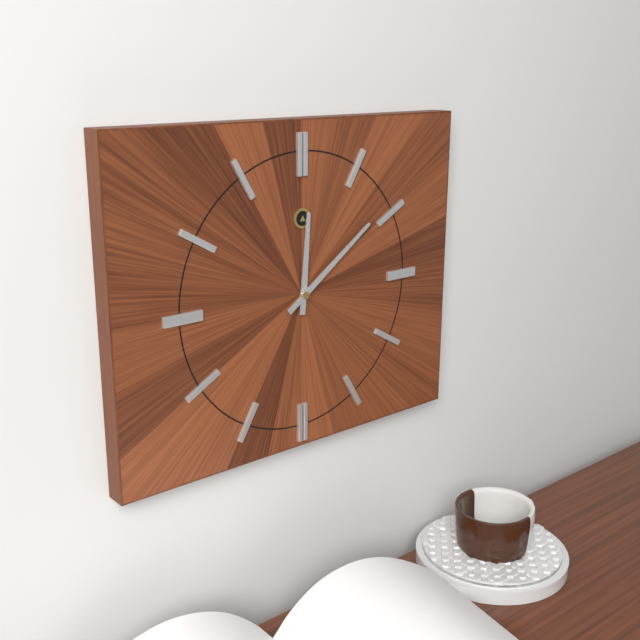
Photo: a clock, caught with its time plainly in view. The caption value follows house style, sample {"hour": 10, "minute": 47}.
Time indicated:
{"hour": 12, "minute": 9}
